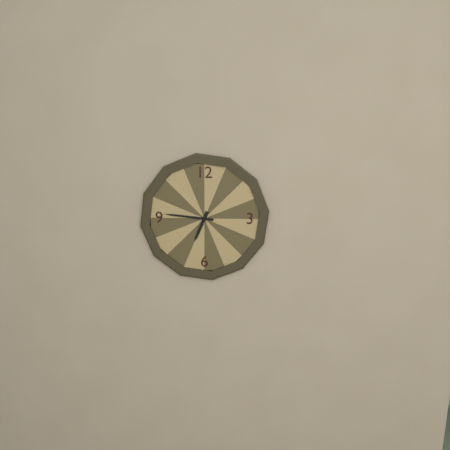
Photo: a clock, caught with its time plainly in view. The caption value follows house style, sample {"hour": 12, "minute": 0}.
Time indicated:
{"hour": 6, "minute": 46}
